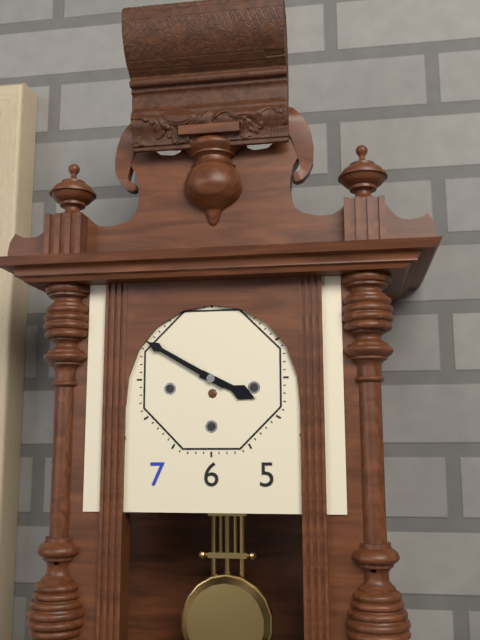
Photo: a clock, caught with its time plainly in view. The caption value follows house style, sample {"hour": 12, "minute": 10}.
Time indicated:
{"hour": 3, "minute": 50}
